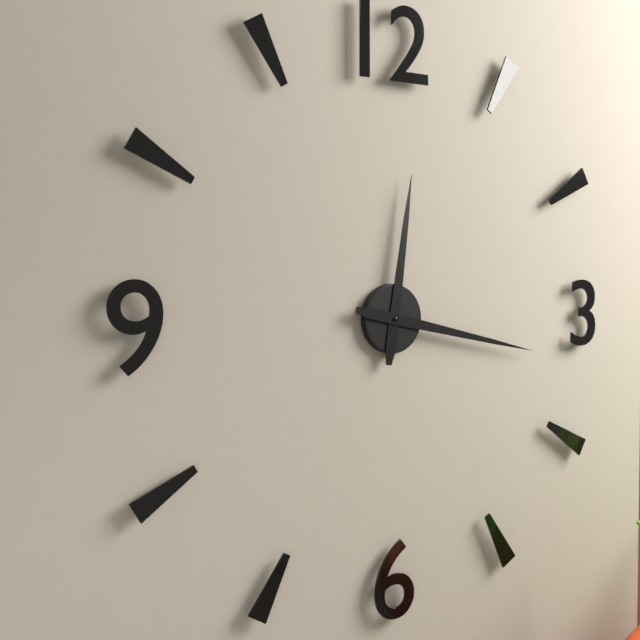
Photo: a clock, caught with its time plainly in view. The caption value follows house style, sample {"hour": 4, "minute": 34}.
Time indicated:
{"hour": 12, "minute": 17}
